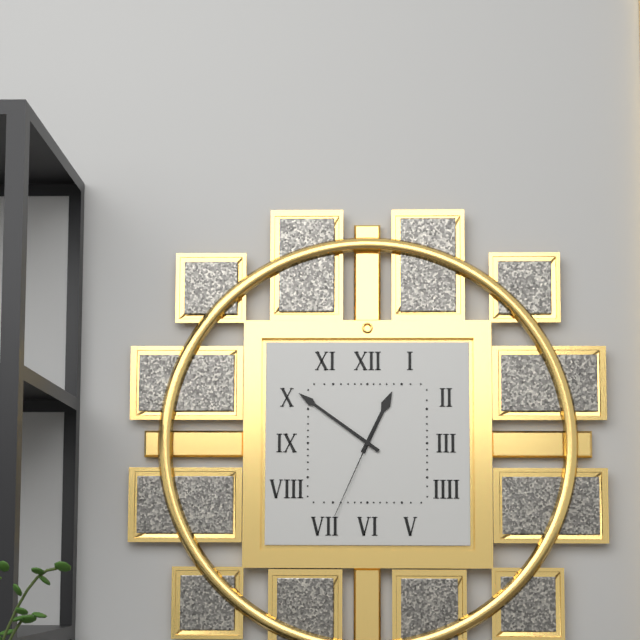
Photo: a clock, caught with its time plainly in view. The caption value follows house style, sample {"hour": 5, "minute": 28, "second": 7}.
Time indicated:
{"hour": 12, "minute": 51, "second": 34}
